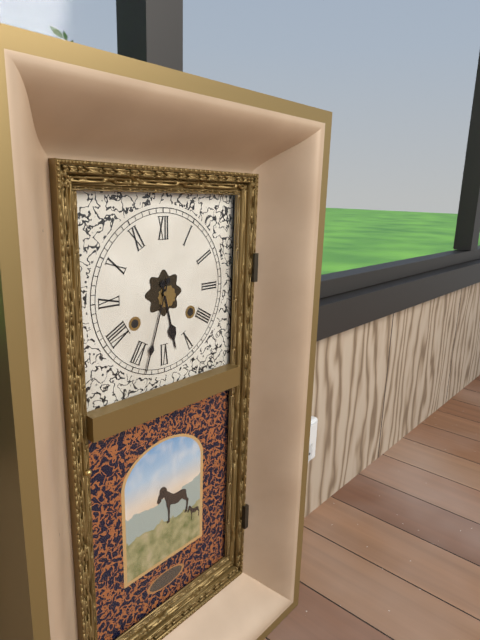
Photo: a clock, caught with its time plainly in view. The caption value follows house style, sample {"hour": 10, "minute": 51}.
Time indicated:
{"hour": 5, "minute": 33}
